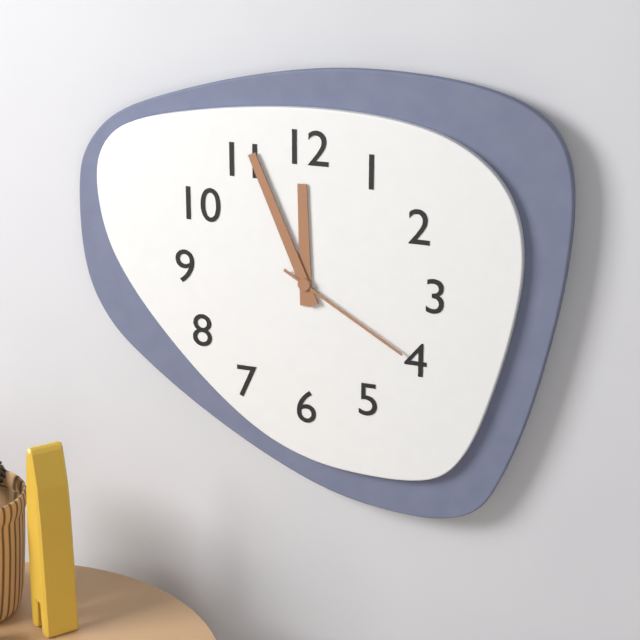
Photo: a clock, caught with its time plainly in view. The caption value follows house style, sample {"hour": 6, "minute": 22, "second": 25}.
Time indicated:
{"hour": 11, "minute": 56, "second": 20}
